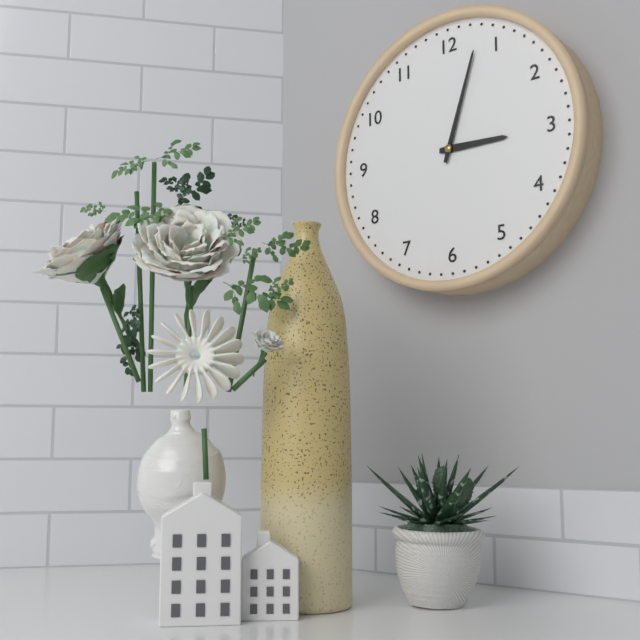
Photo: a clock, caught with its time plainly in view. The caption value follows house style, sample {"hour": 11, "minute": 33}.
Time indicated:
{"hour": 3, "minute": 3}
